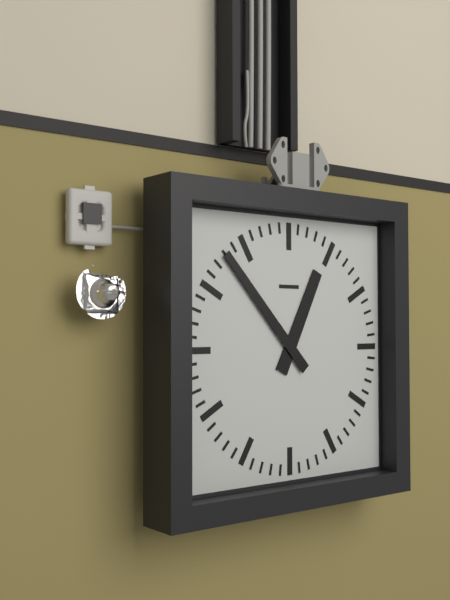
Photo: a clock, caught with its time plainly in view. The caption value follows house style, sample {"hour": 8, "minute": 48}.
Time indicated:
{"hour": 12, "minute": 53}
